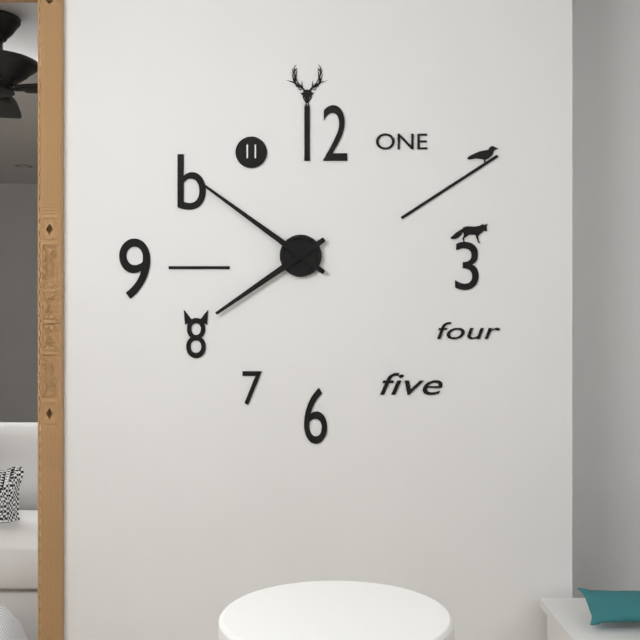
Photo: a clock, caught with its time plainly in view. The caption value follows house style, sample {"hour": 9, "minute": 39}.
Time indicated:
{"hour": 7, "minute": 51}
